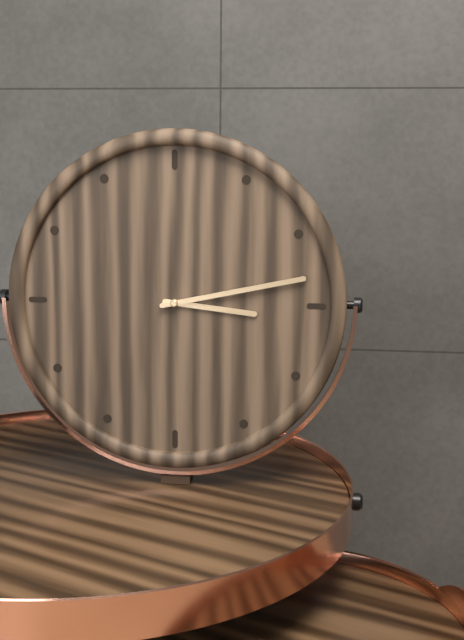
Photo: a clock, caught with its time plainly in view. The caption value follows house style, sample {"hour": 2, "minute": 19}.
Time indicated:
{"hour": 3, "minute": 13}
